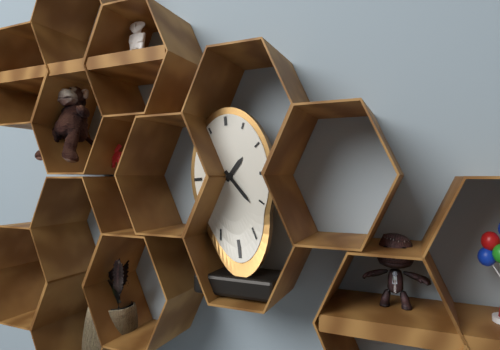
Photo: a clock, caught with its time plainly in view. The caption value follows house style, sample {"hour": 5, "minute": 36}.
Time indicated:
{"hour": 1, "minute": 24}
